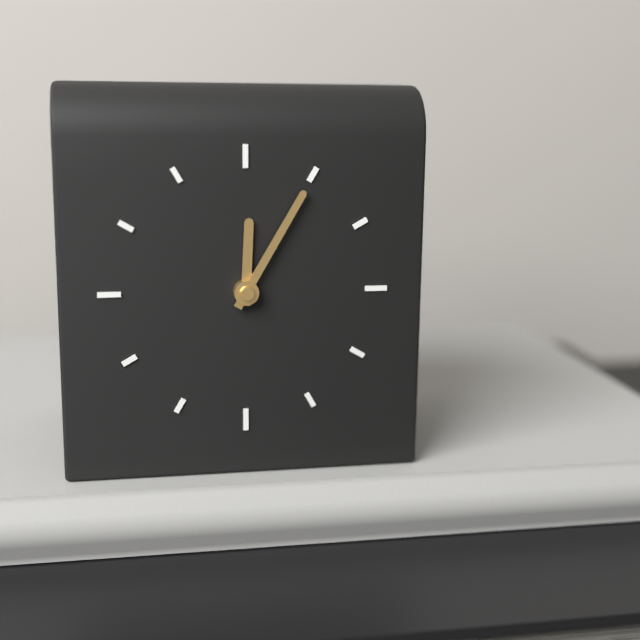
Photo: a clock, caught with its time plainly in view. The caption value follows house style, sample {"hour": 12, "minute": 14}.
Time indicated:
{"hour": 12, "minute": 5}
